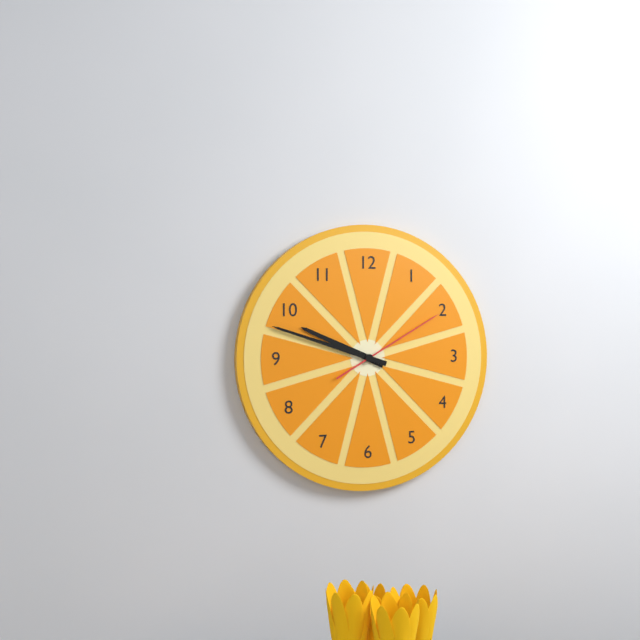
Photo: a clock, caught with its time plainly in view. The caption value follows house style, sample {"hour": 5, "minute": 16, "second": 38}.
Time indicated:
{"hour": 9, "minute": 48, "second": 10}
